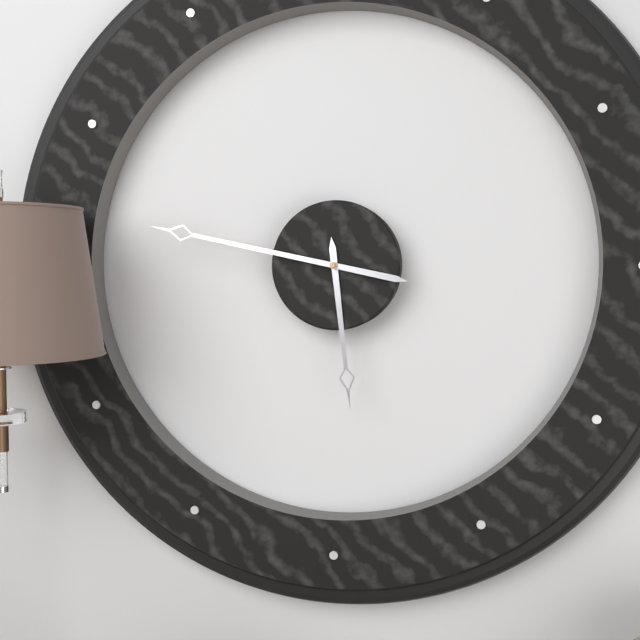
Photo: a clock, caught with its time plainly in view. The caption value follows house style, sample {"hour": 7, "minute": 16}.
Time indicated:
{"hour": 5, "minute": 47}
